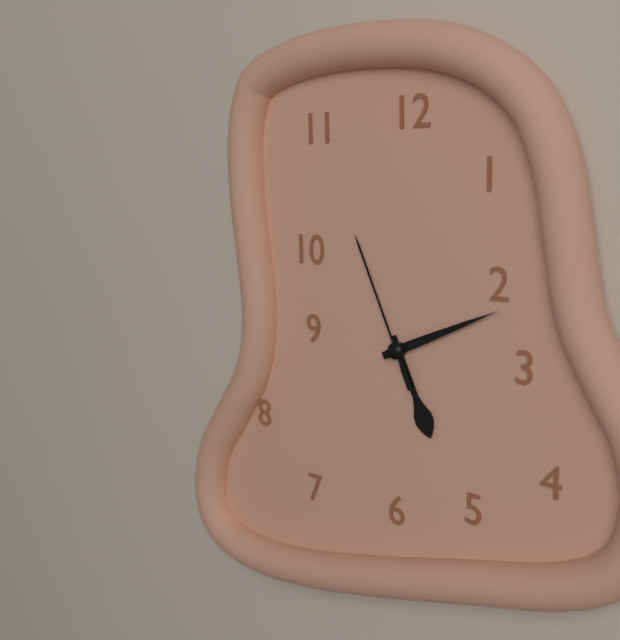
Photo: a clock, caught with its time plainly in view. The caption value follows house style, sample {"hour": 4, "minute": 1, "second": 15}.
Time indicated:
{"hour": 5, "minute": 11, "second": 56}
